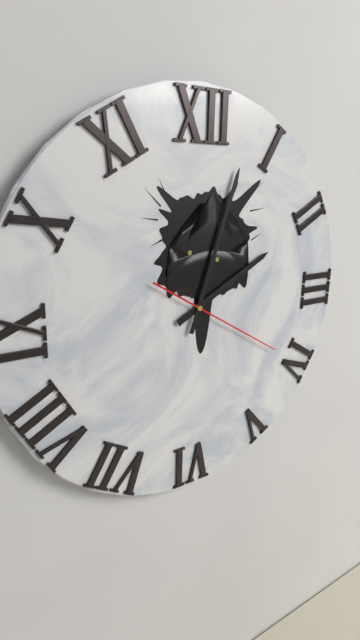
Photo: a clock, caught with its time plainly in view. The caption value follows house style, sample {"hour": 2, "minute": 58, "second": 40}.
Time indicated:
{"hour": 2, "minute": 3, "second": 20}
